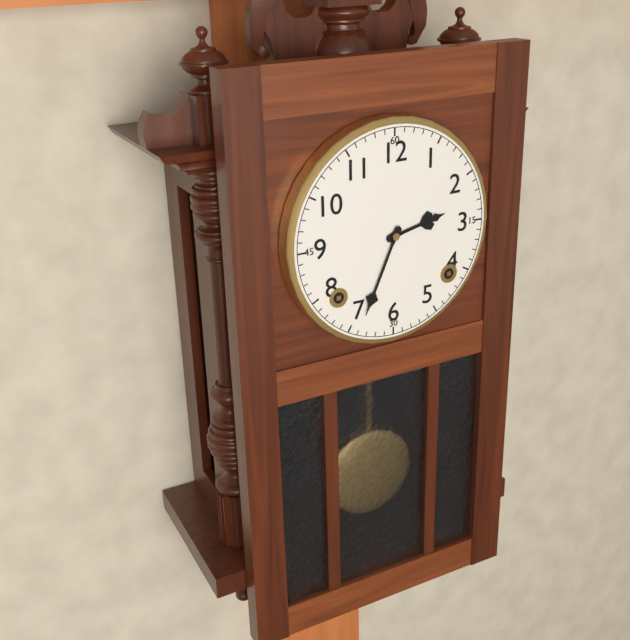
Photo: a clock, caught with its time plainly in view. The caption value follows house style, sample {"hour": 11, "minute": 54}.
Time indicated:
{"hour": 2, "minute": 34}
